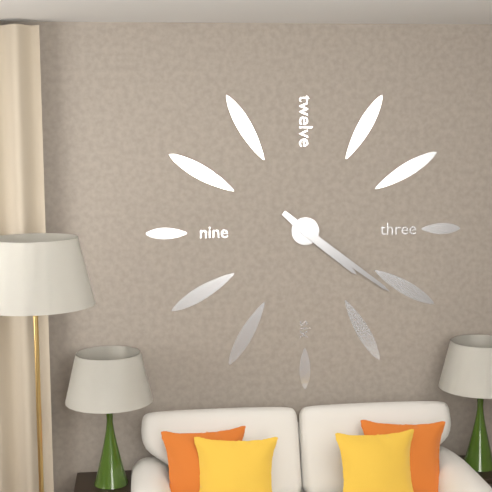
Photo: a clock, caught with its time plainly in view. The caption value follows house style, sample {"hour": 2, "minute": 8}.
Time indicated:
{"hour": 4, "minute": 21}
